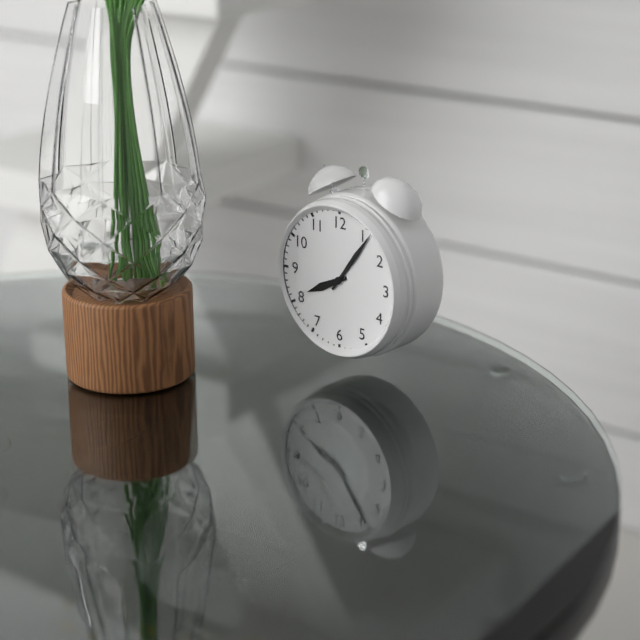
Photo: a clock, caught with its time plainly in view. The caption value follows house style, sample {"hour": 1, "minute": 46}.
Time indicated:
{"hour": 8, "minute": 6}
